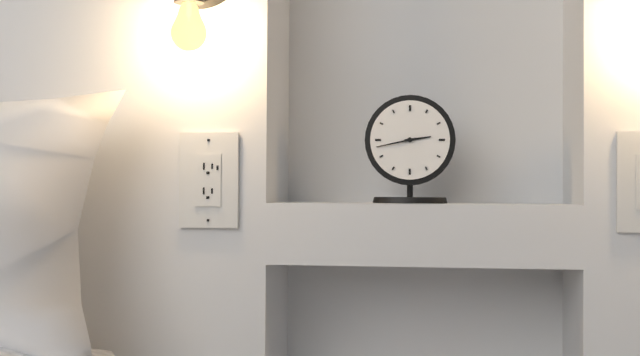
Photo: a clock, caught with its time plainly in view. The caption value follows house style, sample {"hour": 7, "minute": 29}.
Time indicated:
{"hour": 2, "minute": 43}
